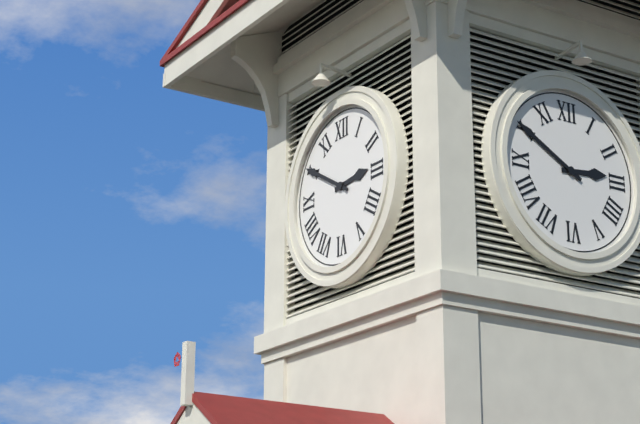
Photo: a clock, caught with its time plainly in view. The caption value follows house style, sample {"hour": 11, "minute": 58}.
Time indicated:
{"hour": 2, "minute": 50}
